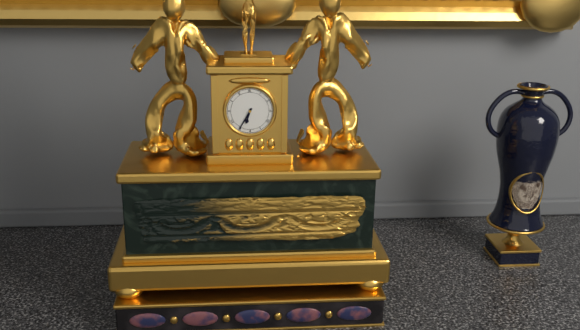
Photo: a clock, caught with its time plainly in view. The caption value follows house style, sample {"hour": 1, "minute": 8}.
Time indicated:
{"hour": 6, "minute": 35}
